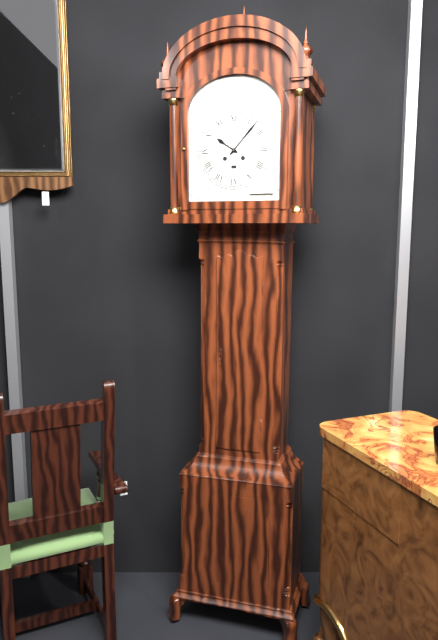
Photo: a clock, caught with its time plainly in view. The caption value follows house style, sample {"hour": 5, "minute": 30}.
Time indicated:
{"hour": 10, "minute": 7}
